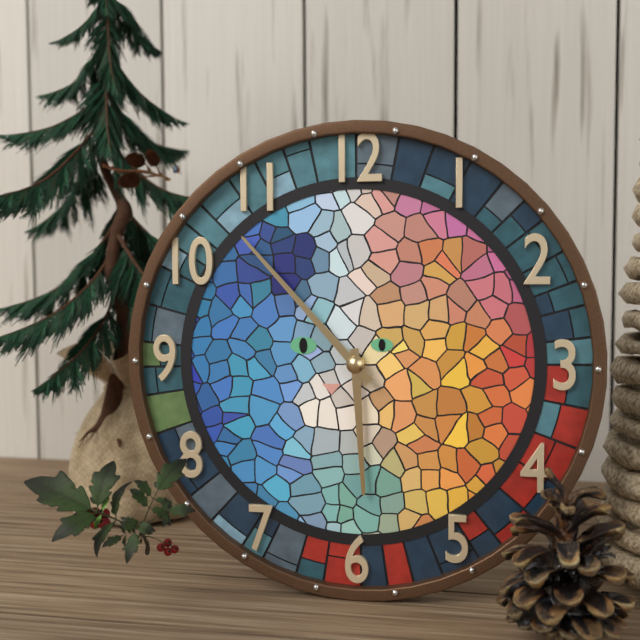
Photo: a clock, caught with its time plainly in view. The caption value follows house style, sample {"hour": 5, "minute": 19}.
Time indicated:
{"hour": 5, "minute": 53}
